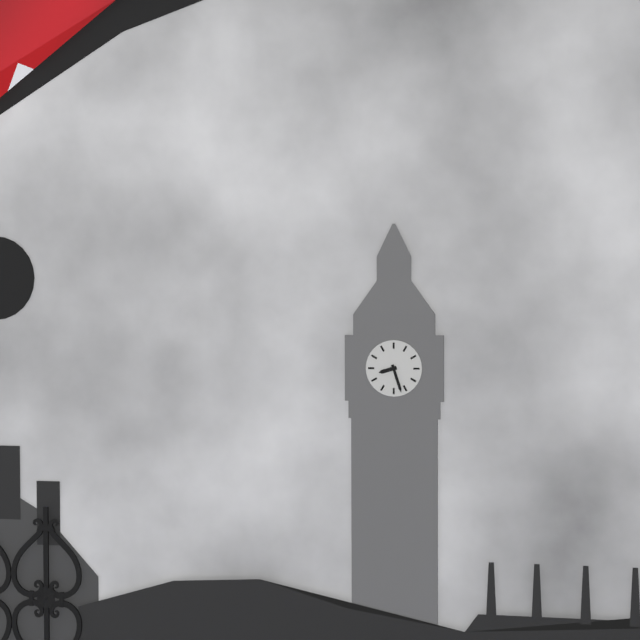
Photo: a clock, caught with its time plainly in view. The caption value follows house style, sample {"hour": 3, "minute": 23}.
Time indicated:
{"hour": 8, "minute": 27}
